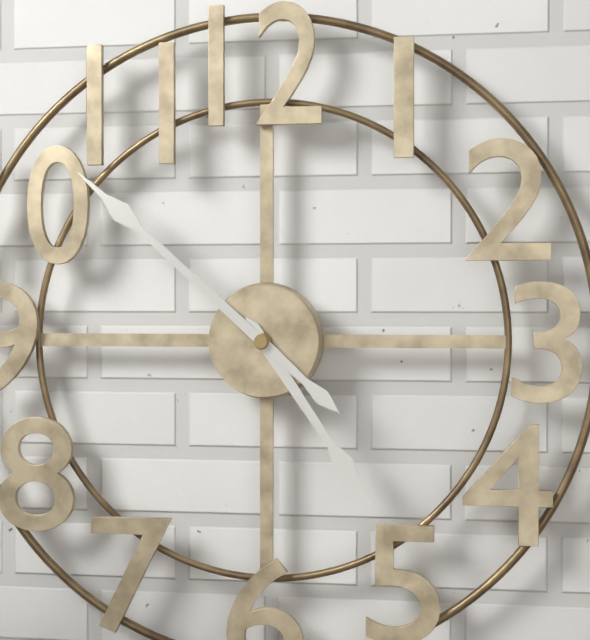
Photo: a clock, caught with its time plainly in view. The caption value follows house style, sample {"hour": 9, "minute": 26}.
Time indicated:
{"hour": 4, "minute": 52}
